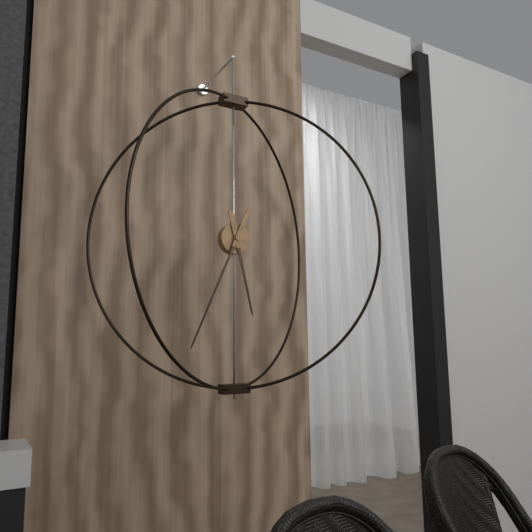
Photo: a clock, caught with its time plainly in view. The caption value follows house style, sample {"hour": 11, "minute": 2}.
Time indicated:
{"hour": 5, "minute": 34}
